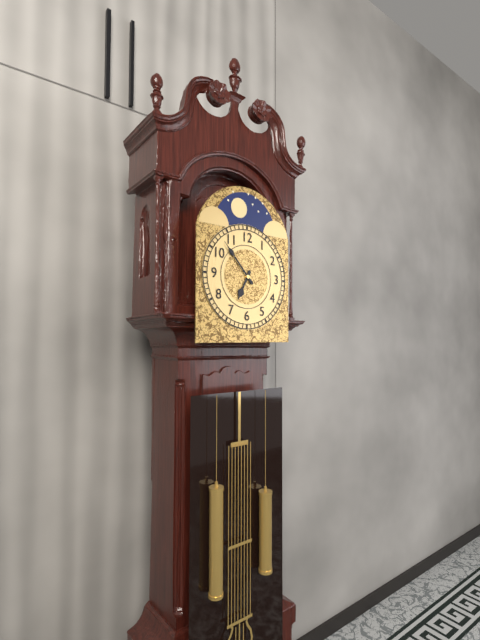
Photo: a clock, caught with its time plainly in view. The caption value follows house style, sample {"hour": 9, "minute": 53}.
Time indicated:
{"hour": 6, "minute": 53}
